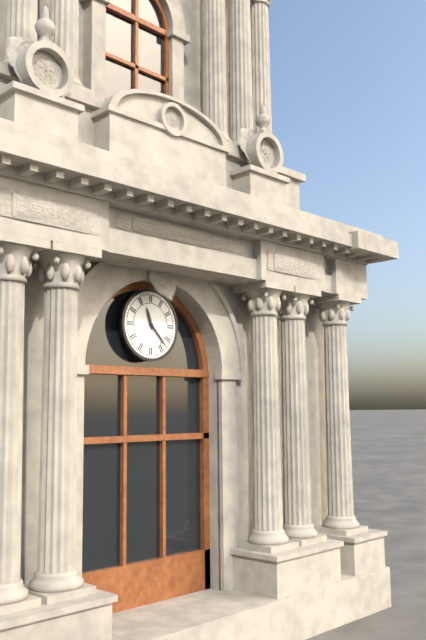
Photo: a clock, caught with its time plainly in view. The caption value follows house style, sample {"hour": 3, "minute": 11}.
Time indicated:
{"hour": 11, "minute": 23}
